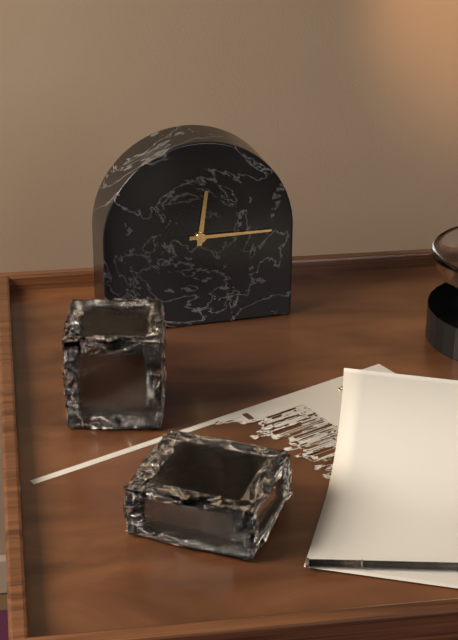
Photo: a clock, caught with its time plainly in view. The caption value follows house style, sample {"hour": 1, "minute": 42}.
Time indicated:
{"hour": 12, "minute": 15}
